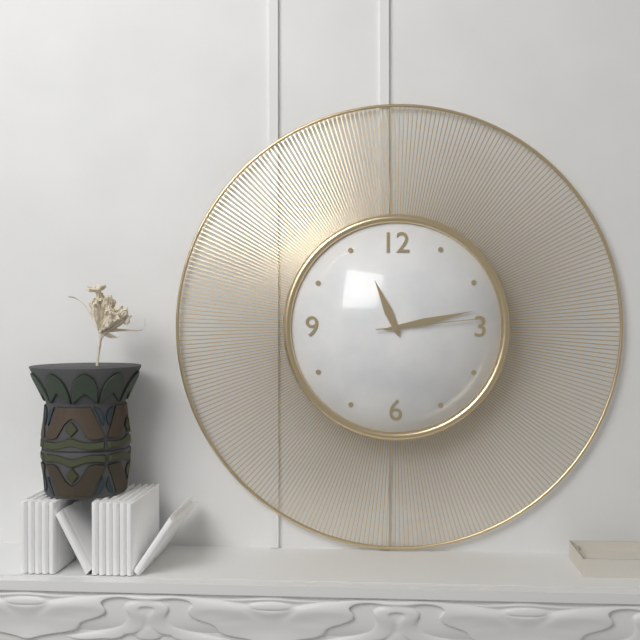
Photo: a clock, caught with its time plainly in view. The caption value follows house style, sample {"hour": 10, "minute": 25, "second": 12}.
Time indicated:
{"hour": 11, "minute": 13, "second": 14}
